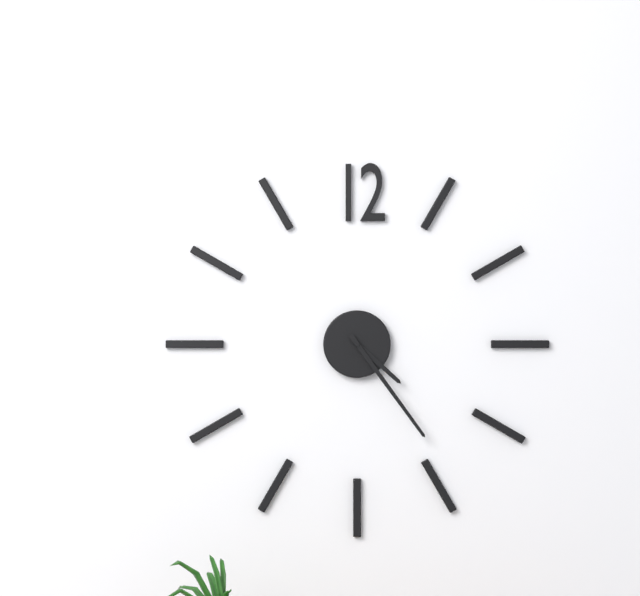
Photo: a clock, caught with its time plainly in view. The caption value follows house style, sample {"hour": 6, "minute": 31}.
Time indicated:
{"hour": 4, "minute": 24}
